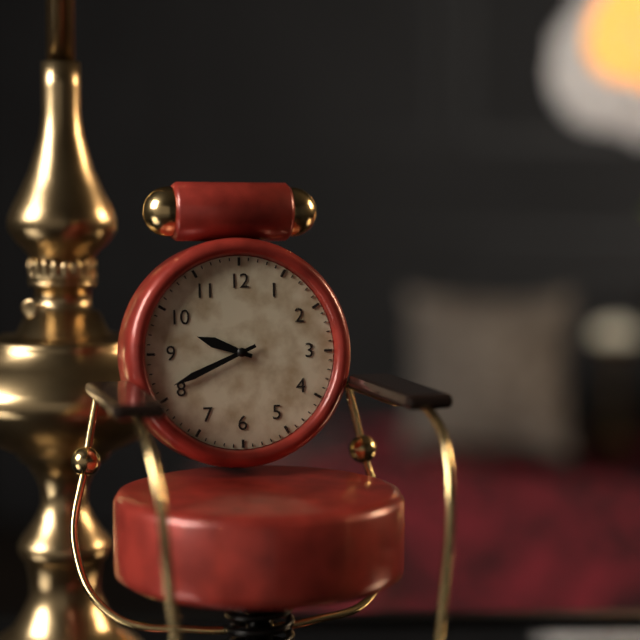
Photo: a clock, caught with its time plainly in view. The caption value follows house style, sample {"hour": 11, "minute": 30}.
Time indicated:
{"hour": 9, "minute": 41}
